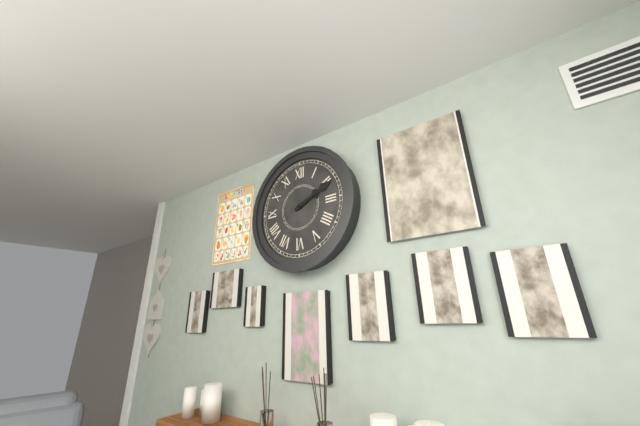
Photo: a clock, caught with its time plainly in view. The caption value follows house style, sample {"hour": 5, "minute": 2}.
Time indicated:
{"hour": 2, "minute": 11}
